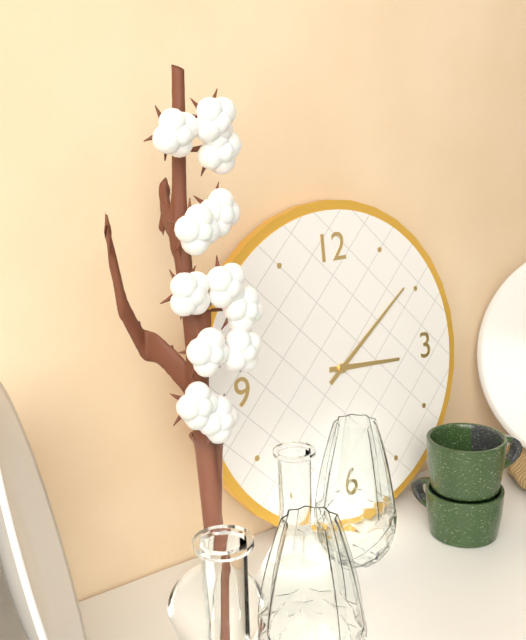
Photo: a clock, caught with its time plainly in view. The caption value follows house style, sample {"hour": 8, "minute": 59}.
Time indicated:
{"hour": 3, "minute": 9}
